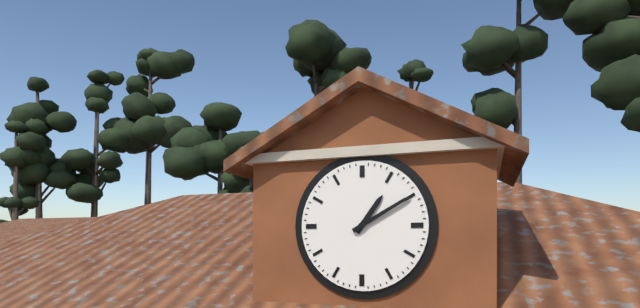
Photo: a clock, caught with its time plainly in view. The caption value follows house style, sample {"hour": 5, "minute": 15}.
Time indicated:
{"hour": 1, "minute": 10}
